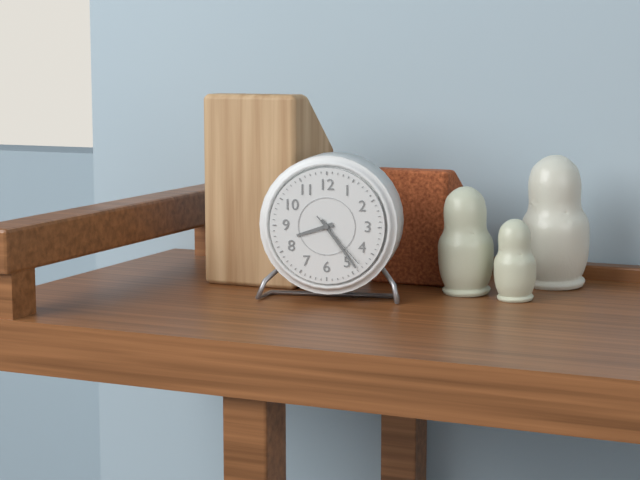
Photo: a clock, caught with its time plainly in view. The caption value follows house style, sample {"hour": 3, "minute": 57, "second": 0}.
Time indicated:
{"hour": 8, "minute": 24, "second": 23}
